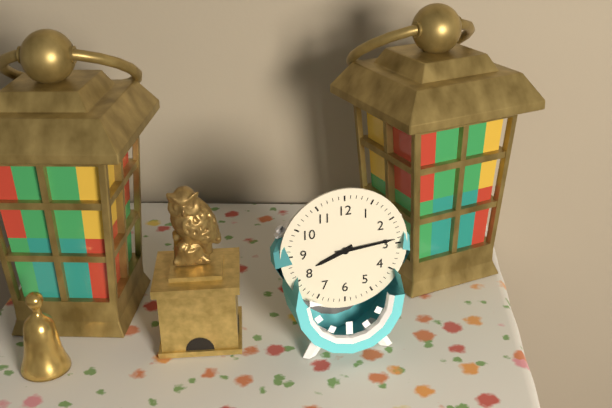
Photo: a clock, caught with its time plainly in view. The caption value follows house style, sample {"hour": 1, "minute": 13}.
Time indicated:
{"hour": 8, "minute": 14}
